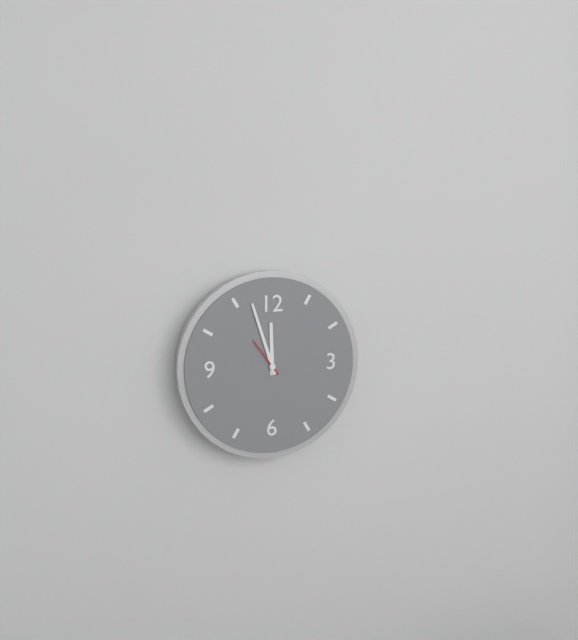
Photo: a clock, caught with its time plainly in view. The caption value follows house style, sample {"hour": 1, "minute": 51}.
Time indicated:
{"hour": 11, "minute": 57}
